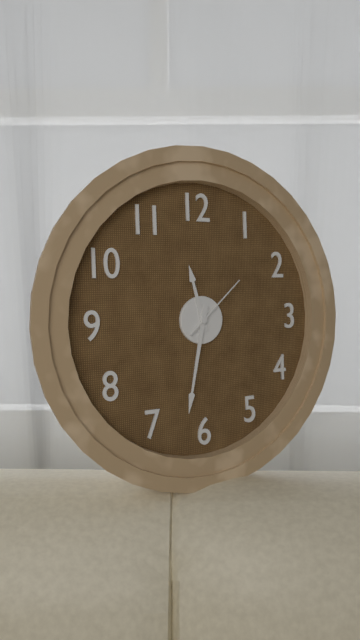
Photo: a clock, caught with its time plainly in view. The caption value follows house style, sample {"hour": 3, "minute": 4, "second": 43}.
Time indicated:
{"hour": 11, "minute": 32, "second": 8}
